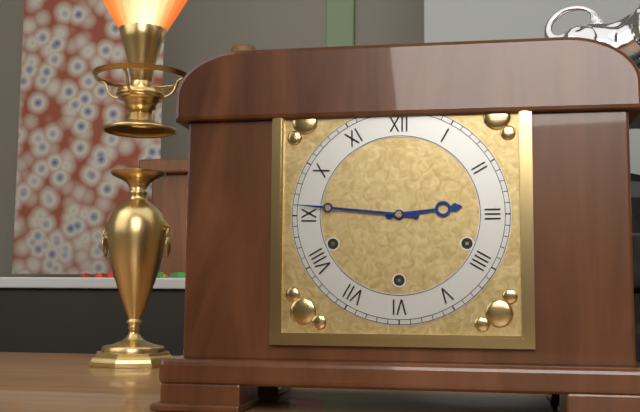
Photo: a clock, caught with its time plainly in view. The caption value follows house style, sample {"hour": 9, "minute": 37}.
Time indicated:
{"hour": 2, "minute": 46}
